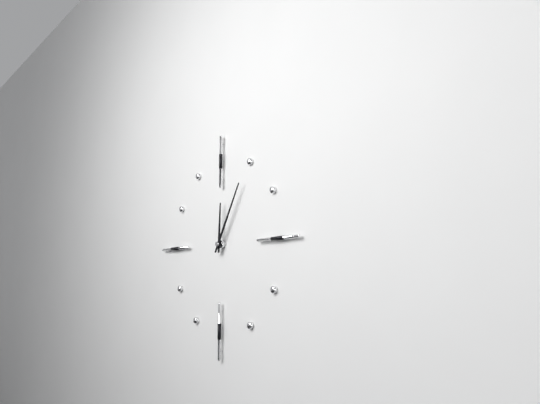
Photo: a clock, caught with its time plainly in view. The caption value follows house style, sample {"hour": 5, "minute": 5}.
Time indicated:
{"hour": 12, "minute": 5}
